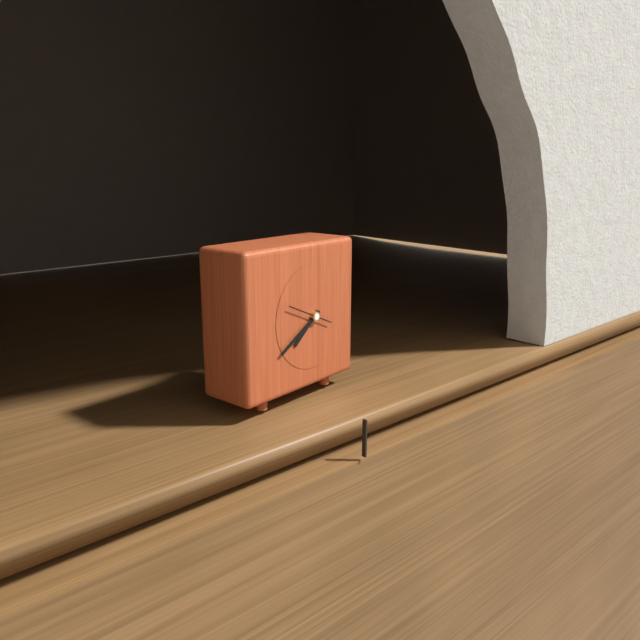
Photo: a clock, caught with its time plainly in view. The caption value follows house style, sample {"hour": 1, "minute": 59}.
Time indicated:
{"hour": 7, "minute": 40}
